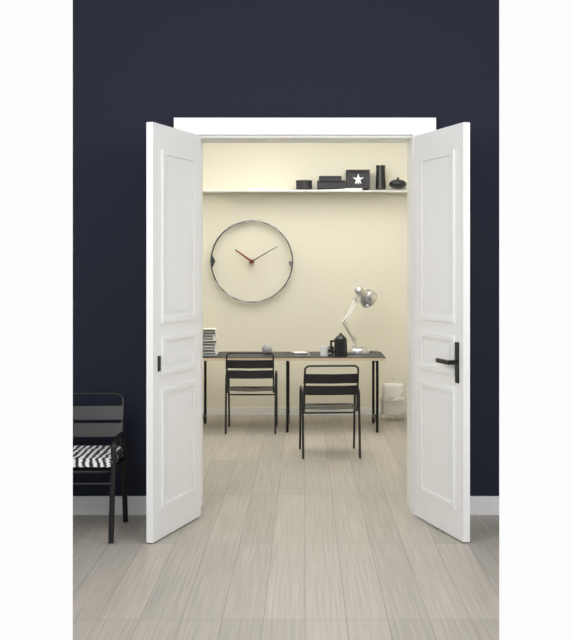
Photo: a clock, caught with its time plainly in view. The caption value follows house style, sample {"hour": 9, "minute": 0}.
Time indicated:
{"hour": 10, "minute": 10}
